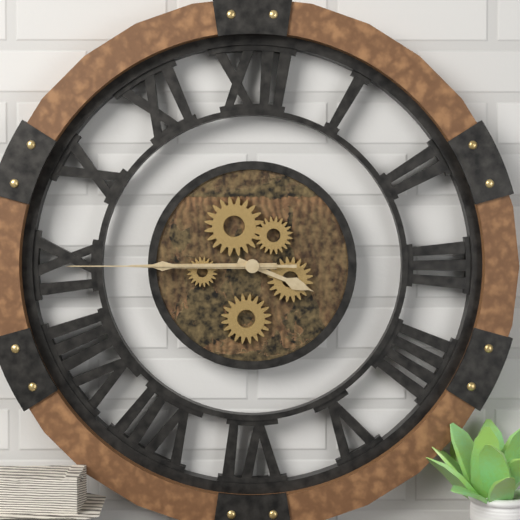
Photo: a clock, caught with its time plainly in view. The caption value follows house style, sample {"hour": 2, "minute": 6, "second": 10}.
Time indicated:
{"hour": 3, "minute": 45, "second": 45}
